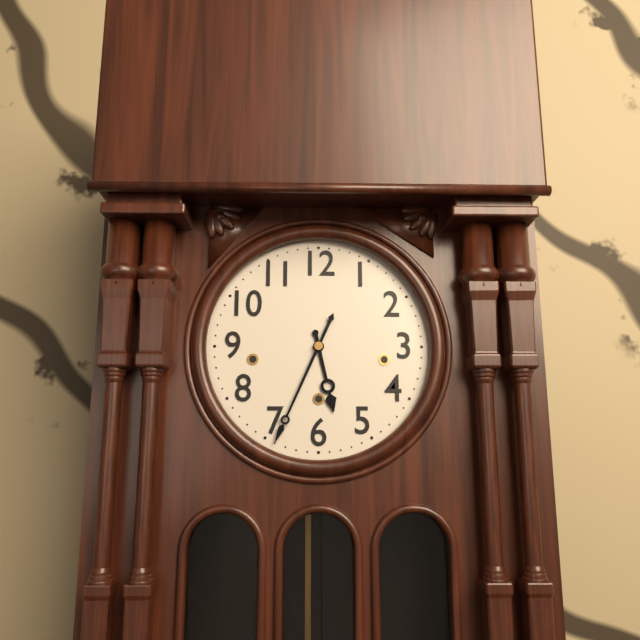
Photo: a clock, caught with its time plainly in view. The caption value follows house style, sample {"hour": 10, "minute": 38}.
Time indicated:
{"hour": 5, "minute": 34}
